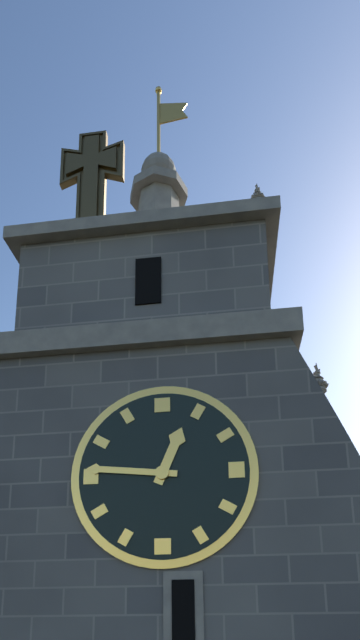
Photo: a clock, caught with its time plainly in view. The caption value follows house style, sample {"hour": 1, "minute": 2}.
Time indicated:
{"hour": 12, "minute": 46}
